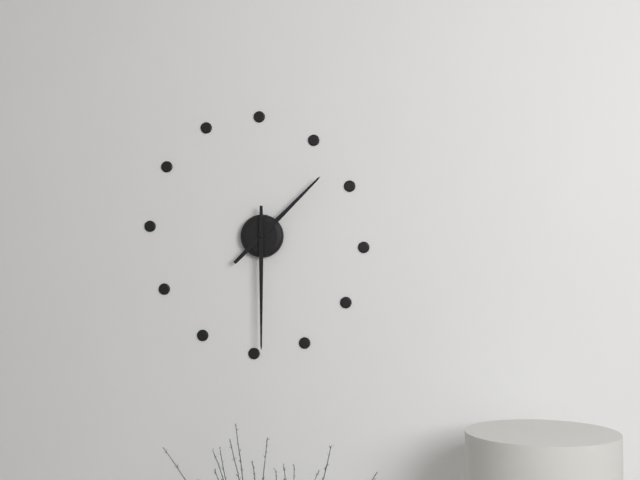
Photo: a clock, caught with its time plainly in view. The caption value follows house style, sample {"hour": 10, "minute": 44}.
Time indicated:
{"hour": 1, "minute": 30}
